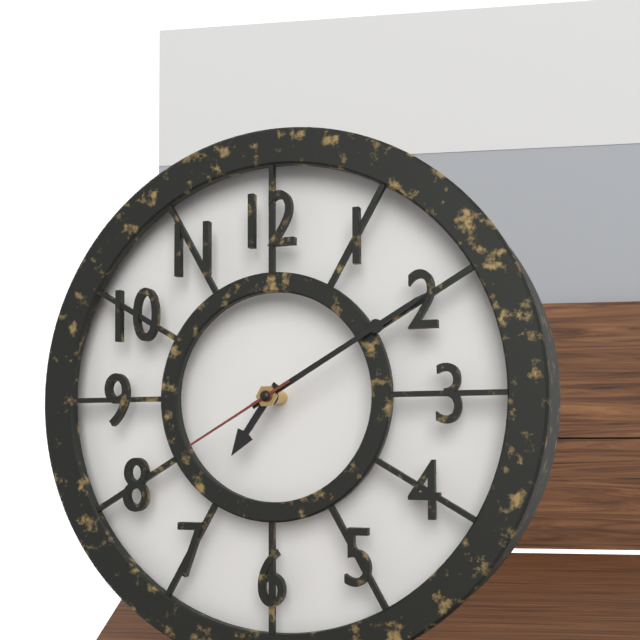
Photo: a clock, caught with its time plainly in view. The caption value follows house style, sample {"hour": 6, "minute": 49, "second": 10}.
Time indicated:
{"hour": 7, "minute": 10, "second": 40}
